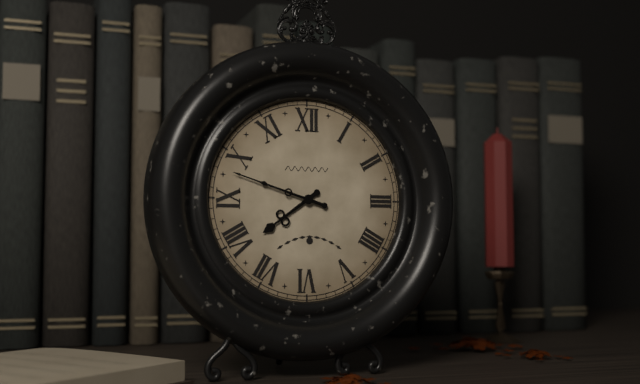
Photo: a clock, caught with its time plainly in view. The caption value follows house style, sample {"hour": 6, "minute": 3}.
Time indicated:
{"hour": 7, "minute": 48}
